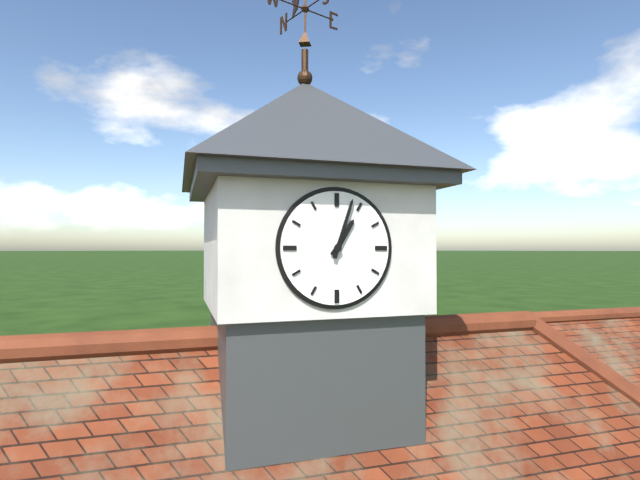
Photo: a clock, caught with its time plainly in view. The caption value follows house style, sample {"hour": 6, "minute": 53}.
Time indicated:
{"hour": 1, "minute": 3}
